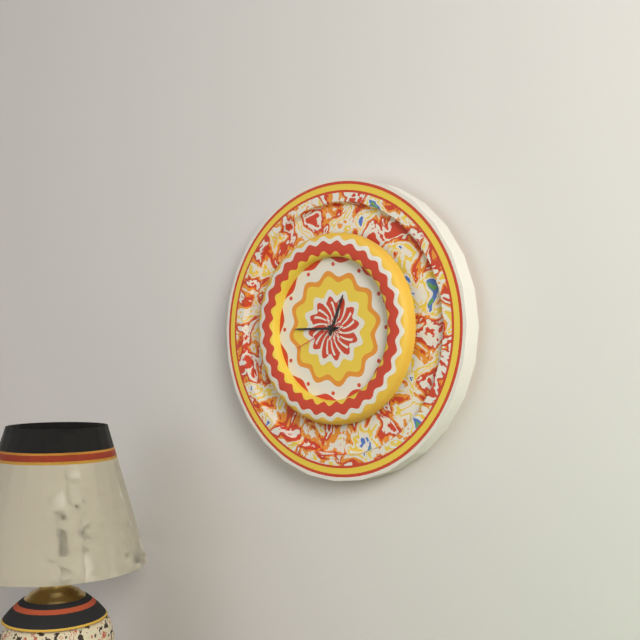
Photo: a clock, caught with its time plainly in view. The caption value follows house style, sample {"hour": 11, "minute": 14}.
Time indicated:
{"hour": 12, "minute": 45}
